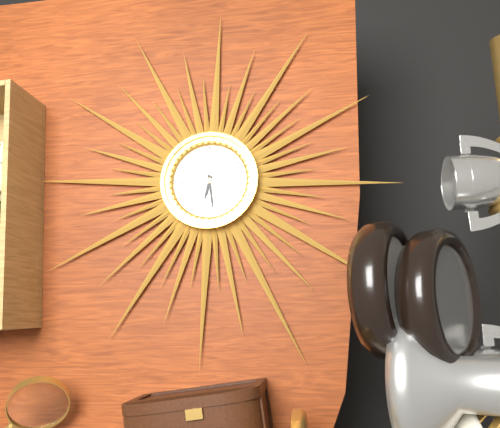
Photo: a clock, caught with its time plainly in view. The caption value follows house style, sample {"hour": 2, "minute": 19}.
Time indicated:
{"hour": 6, "minute": 29}
